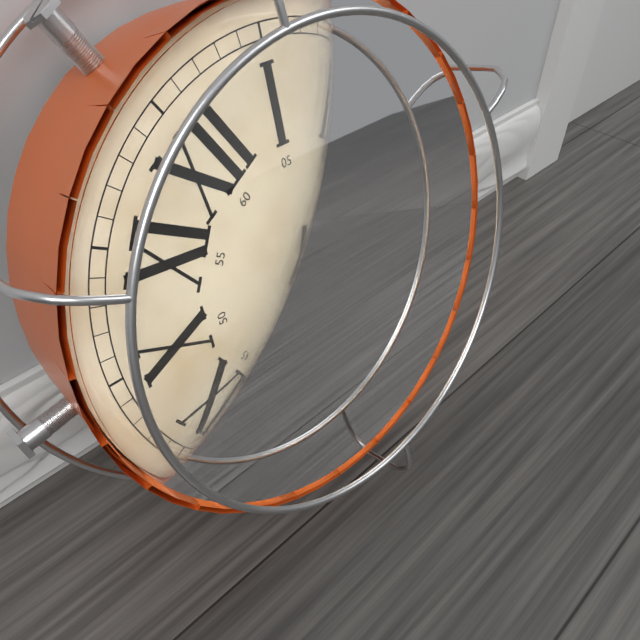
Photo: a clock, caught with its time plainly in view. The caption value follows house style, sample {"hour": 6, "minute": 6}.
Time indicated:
{"hour": 2, "minute": 37}
